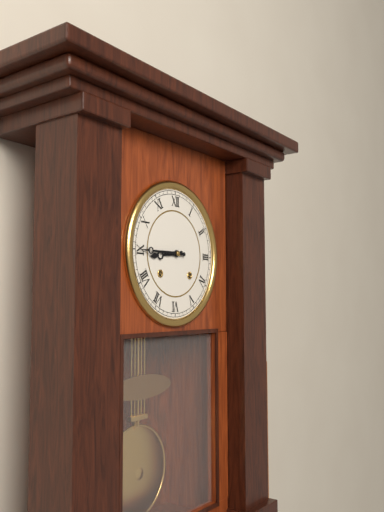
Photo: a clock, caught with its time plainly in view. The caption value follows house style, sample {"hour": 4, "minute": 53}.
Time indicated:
{"hour": 8, "minute": 45}
